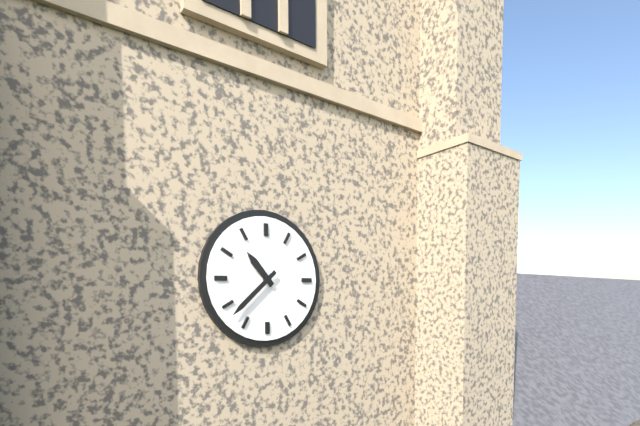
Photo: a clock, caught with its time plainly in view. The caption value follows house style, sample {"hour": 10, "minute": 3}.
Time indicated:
{"hour": 10, "minute": 38}
